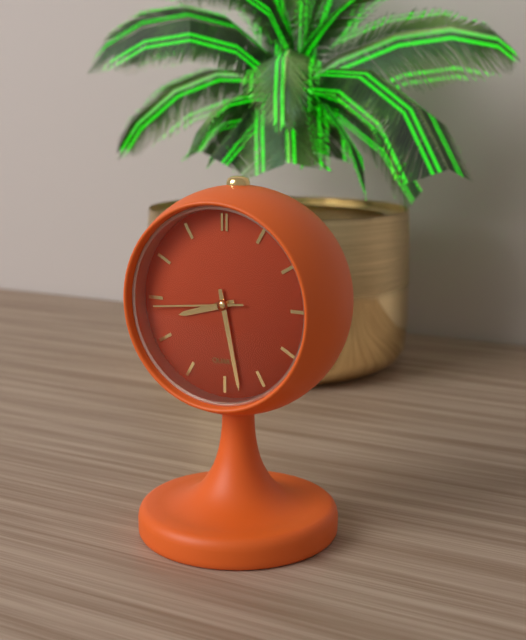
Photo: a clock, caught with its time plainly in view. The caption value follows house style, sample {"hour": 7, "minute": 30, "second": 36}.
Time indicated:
{"hour": 8, "minute": 28, "second": 44}
